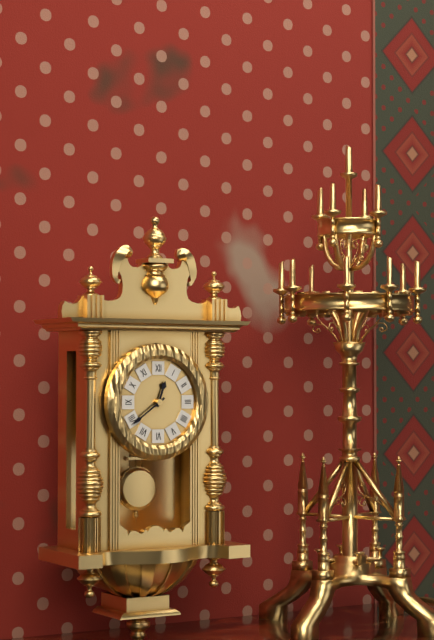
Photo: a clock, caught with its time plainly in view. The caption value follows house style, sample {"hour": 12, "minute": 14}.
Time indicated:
{"hour": 12, "minute": 39}
